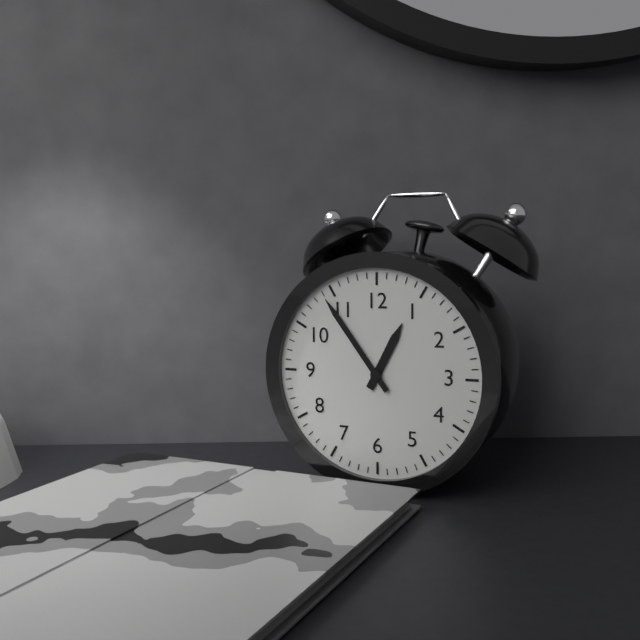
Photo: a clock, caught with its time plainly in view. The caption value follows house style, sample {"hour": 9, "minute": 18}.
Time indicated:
{"hour": 12, "minute": 54}
